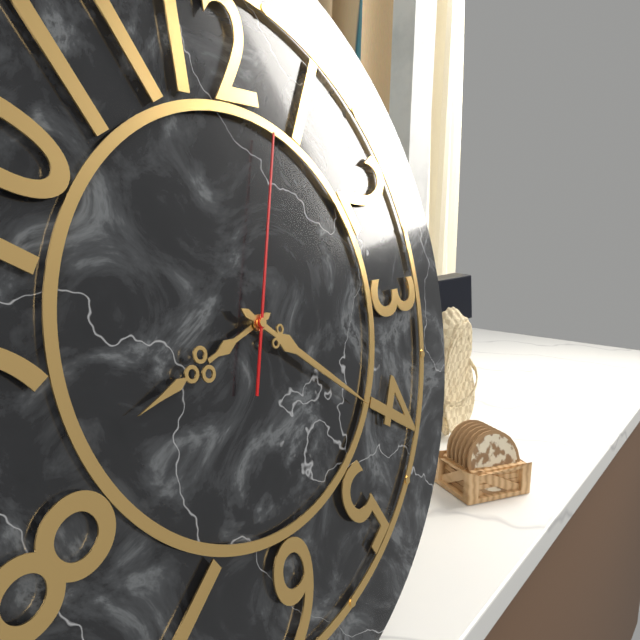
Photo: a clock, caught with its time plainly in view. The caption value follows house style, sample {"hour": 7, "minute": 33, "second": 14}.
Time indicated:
{"hour": 8, "minute": 21, "second": 3}
